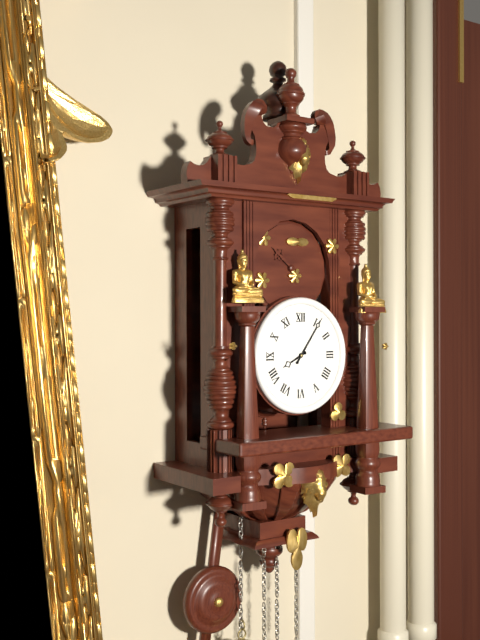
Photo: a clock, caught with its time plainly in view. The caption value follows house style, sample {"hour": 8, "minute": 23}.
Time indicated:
{"hour": 8, "minute": 6}
